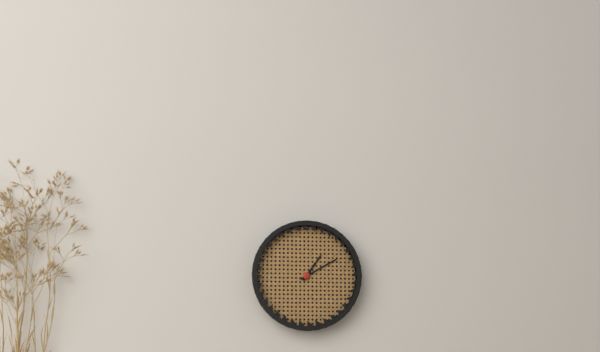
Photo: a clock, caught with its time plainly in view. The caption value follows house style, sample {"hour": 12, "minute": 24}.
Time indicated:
{"hour": 1, "minute": 10}
